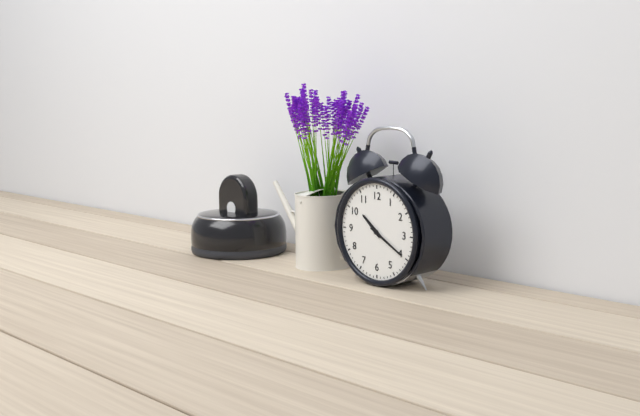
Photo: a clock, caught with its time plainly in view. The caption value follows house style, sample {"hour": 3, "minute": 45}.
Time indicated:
{"hour": 10, "minute": 20}
